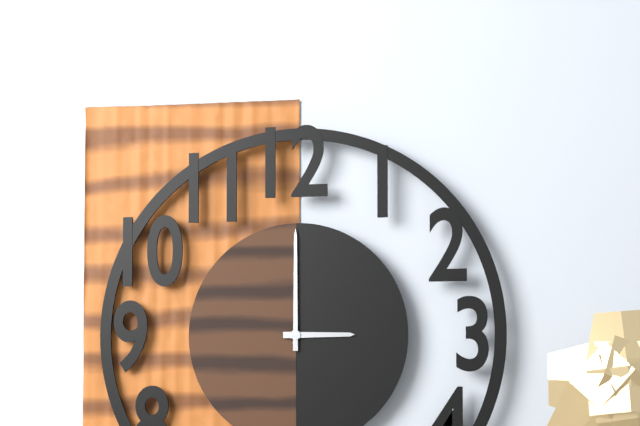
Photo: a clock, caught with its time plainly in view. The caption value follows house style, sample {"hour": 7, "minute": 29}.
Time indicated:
{"hour": 3, "minute": 0}
